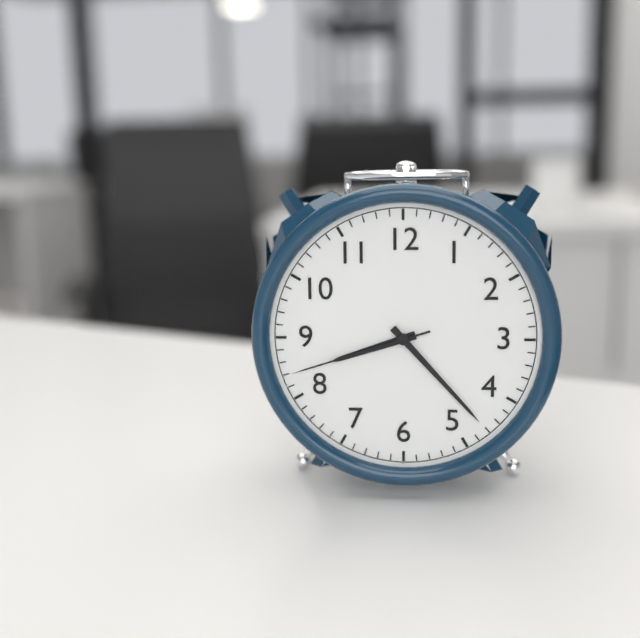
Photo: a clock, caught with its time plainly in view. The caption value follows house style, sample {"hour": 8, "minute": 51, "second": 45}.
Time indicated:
{"hour": 8, "minute": 23, "second": 42}
